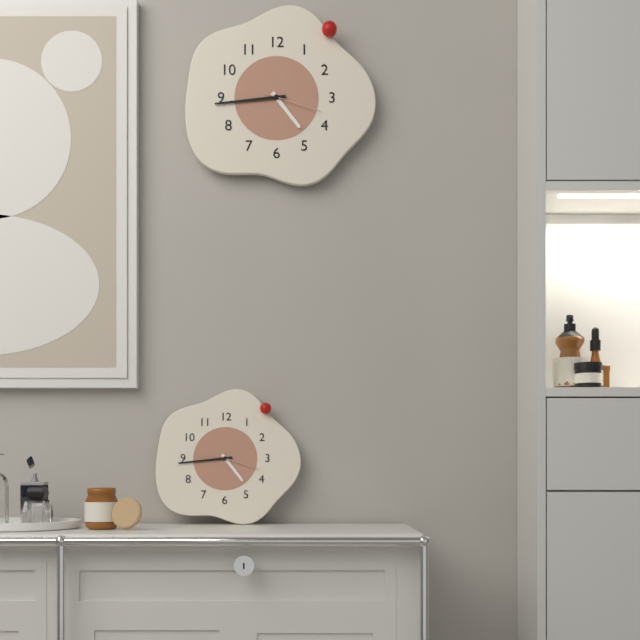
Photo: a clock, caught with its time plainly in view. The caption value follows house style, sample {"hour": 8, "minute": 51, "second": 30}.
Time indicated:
{"hour": 4, "minute": 44, "second": 18}
